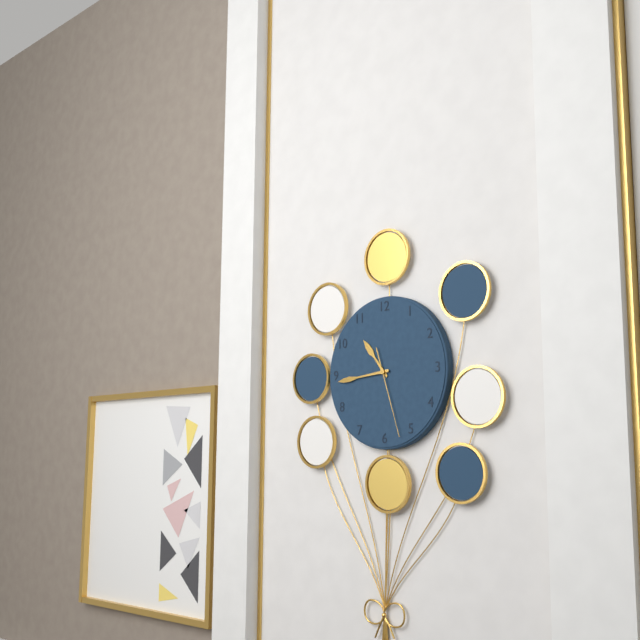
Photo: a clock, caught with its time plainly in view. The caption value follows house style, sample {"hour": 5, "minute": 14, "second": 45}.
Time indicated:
{"hour": 10, "minute": 44, "second": 27}
